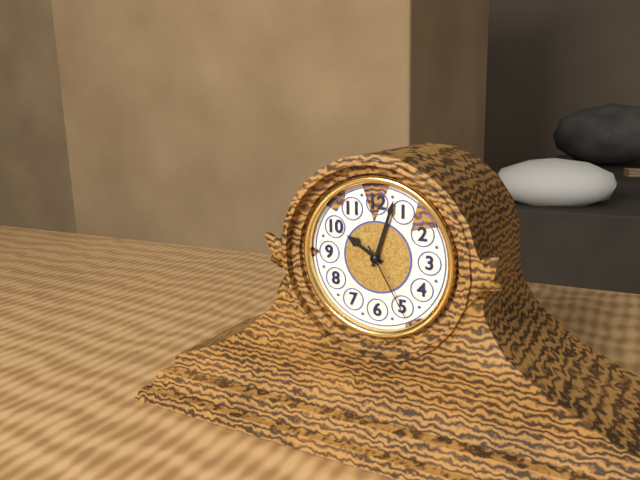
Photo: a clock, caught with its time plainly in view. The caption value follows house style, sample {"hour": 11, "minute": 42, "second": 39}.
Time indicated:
{"hour": 10, "minute": 3, "second": 25}
